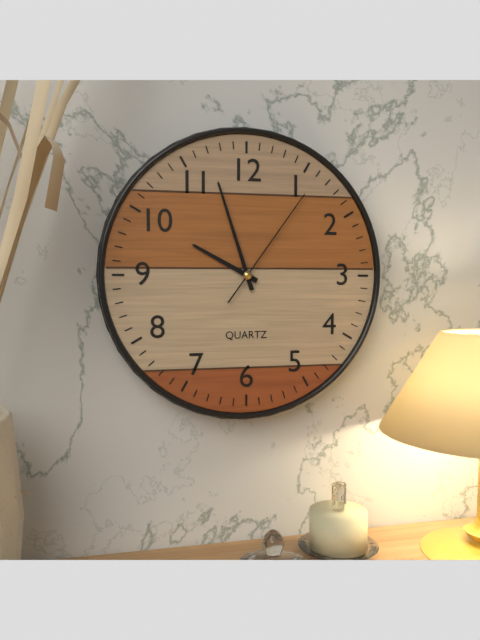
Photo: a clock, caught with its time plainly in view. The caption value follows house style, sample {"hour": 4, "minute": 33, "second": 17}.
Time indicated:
{"hour": 9, "minute": 57, "second": 6}
